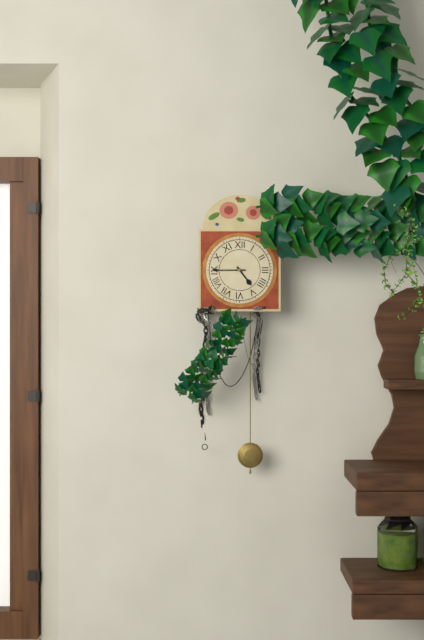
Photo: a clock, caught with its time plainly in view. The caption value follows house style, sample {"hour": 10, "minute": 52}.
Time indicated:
{"hour": 4, "minute": 45}
